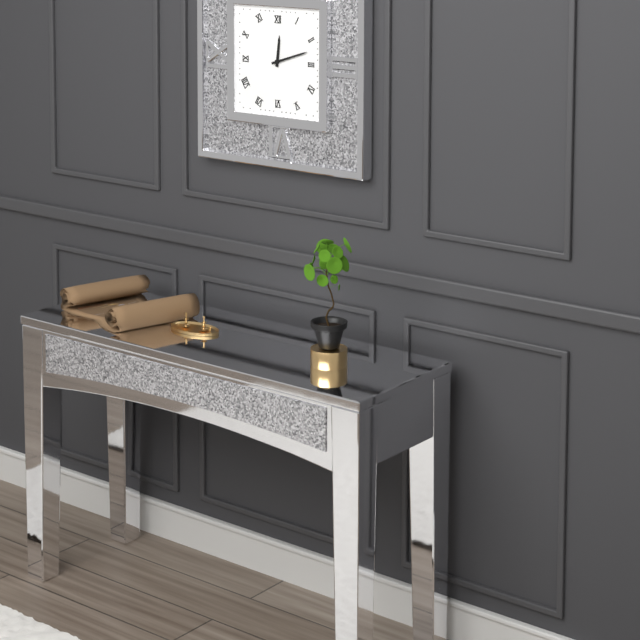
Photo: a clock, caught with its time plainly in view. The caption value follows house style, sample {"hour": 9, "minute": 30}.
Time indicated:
{"hour": 12, "minute": 12}
